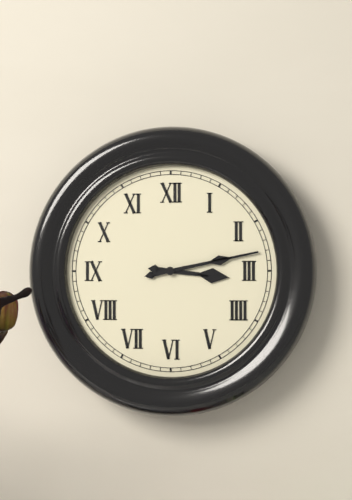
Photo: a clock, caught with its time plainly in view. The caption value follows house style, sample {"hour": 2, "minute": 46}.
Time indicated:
{"hour": 3, "minute": 13}
